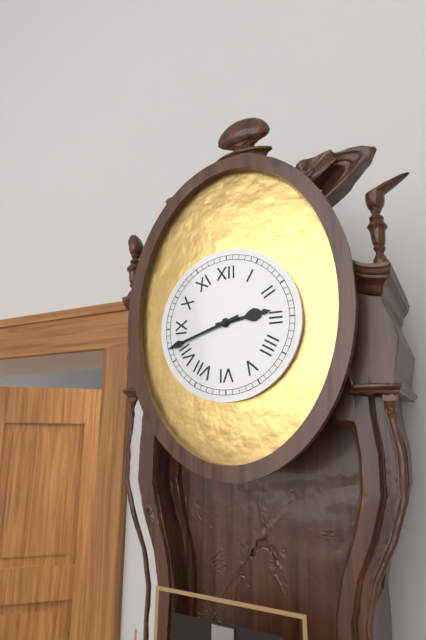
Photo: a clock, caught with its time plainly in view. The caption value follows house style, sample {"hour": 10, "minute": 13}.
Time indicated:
{"hour": 2, "minute": 42}
